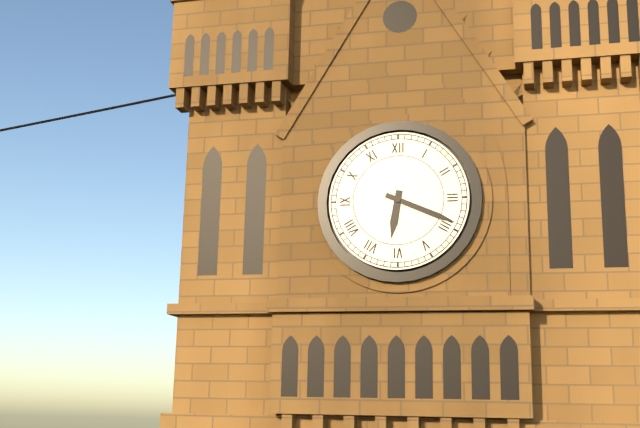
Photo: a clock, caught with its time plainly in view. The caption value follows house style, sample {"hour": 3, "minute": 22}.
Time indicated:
{"hour": 6, "minute": 19}
